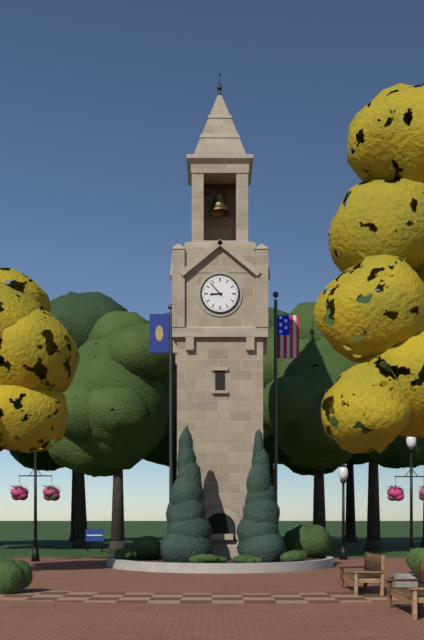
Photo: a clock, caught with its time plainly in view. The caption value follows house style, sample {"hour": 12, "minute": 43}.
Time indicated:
{"hour": 8, "minute": 53}
